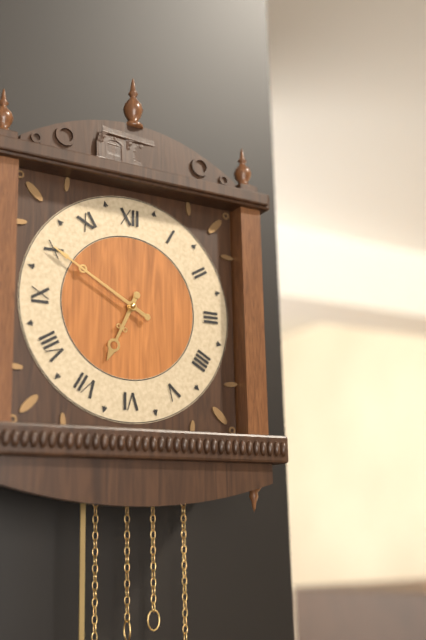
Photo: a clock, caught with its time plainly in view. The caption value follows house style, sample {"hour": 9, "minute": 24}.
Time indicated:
{"hour": 6, "minute": 50}
